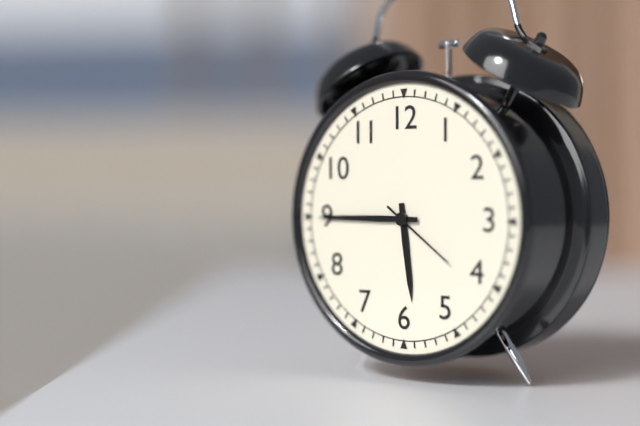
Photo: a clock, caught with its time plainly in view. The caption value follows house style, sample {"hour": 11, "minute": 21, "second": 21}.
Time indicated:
{"hour": 5, "minute": 45, "second": 21}
